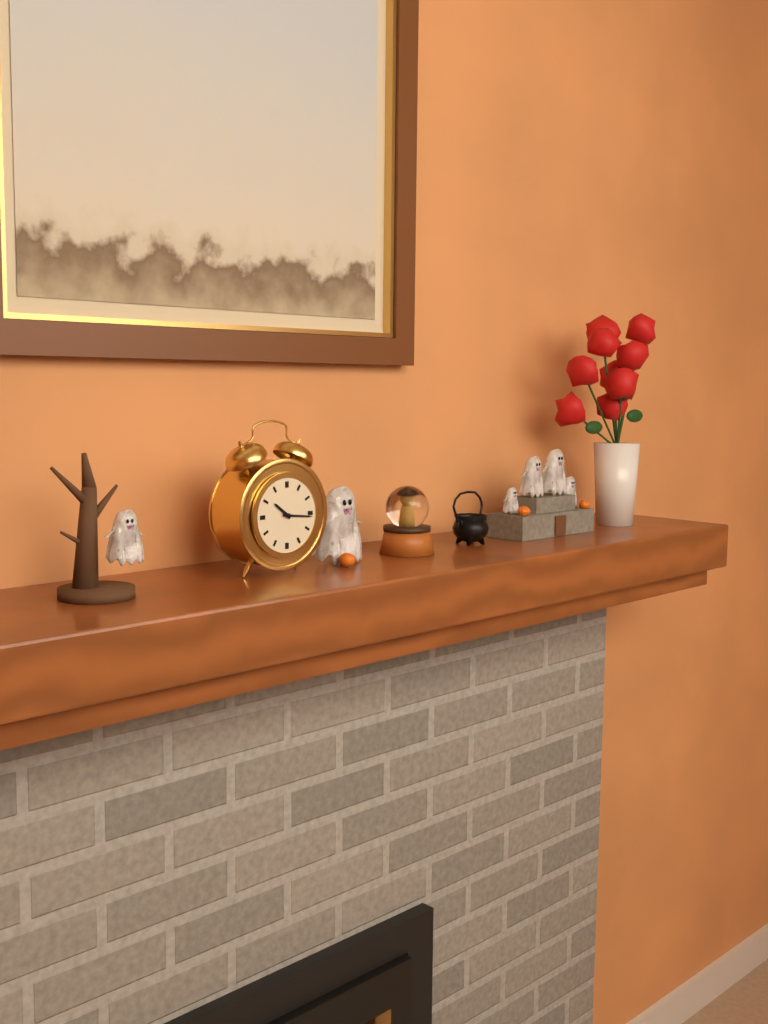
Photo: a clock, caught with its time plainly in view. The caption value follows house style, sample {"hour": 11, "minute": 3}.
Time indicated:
{"hour": 10, "minute": 16}
